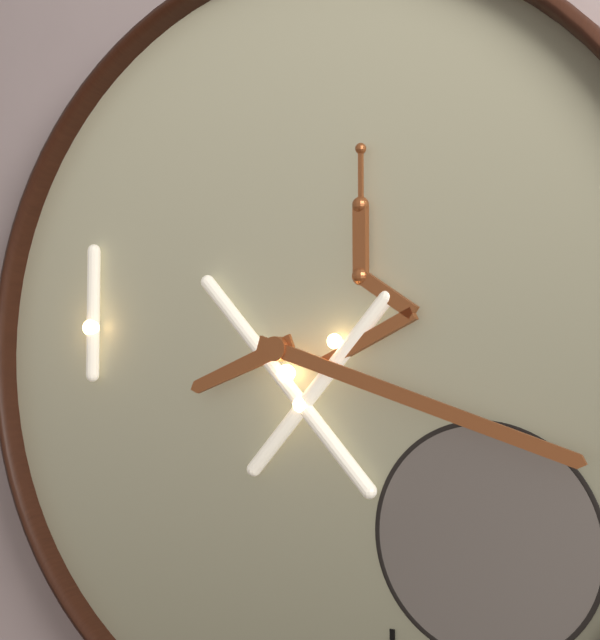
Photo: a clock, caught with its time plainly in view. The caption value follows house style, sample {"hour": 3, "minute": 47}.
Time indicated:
{"hour": 8, "minute": 18}
